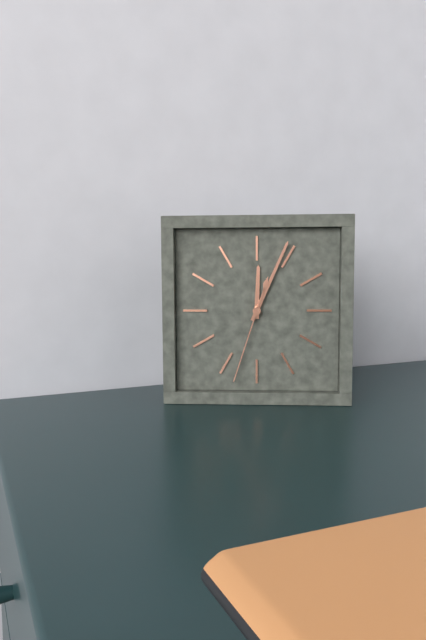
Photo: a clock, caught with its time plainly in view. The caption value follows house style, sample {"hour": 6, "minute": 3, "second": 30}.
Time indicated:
{"hour": 12, "minute": 4, "second": 33}
